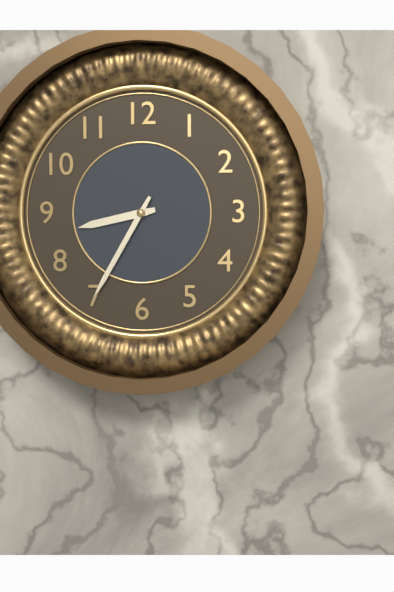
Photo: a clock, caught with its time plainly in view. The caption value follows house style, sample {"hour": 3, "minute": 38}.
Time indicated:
{"hour": 8, "minute": 35}
